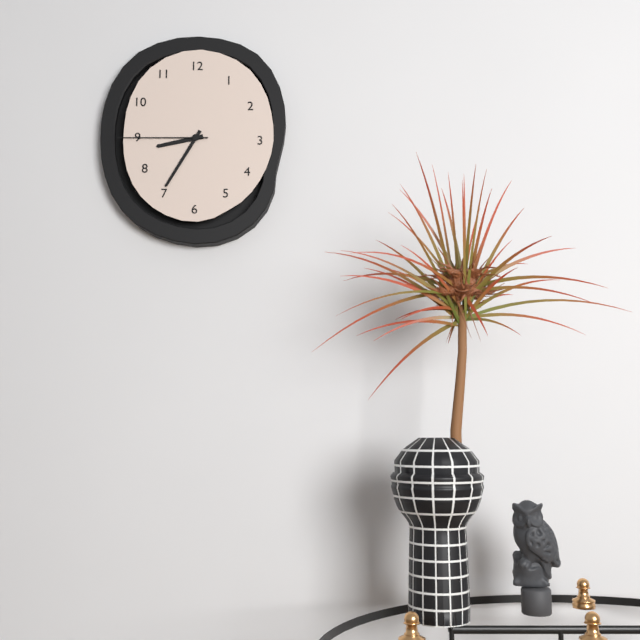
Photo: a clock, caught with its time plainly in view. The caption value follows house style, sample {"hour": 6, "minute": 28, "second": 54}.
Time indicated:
{"hour": 8, "minute": 35, "second": 45}
